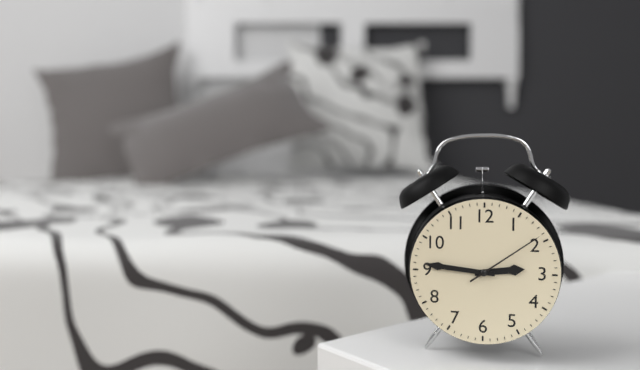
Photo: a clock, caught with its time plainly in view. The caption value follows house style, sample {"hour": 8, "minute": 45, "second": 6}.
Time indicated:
{"hour": 2, "minute": 46, "second": 9}
